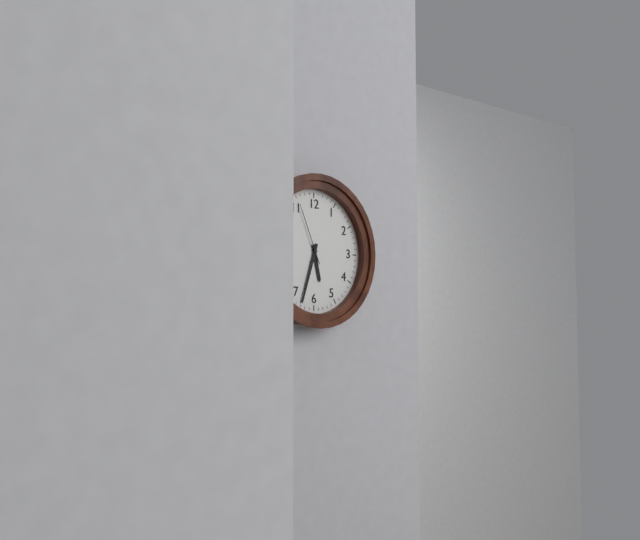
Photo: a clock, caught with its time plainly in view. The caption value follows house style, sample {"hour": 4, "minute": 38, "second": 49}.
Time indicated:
{"hour": 5, "minute": 33, "second": 56}
